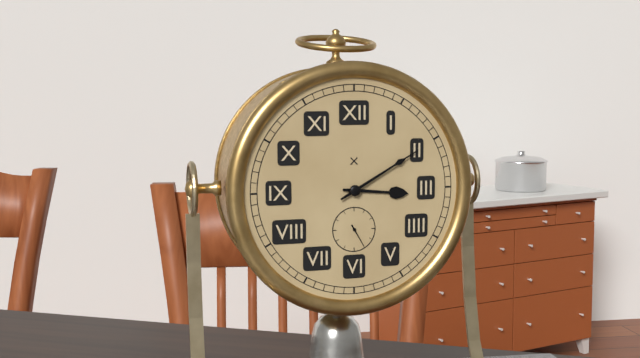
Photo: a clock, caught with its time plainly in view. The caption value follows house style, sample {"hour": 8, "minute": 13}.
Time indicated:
{"hour": 3, "minute": 10}
